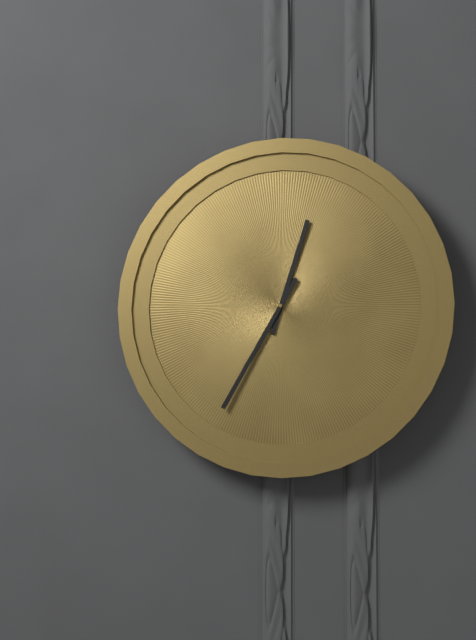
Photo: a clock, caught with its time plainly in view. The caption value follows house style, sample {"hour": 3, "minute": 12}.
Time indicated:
{"hour": 12, "minute": 35}
